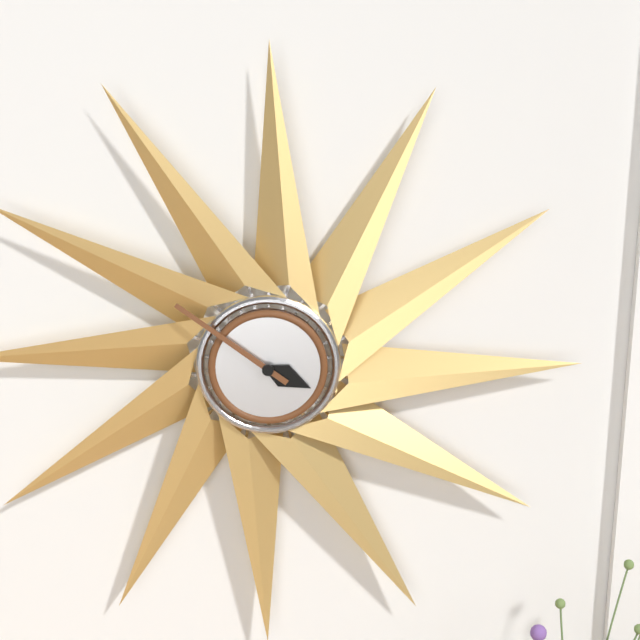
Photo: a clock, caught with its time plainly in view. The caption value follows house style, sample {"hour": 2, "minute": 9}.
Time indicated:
{"hour": 3, "minute": 51}
